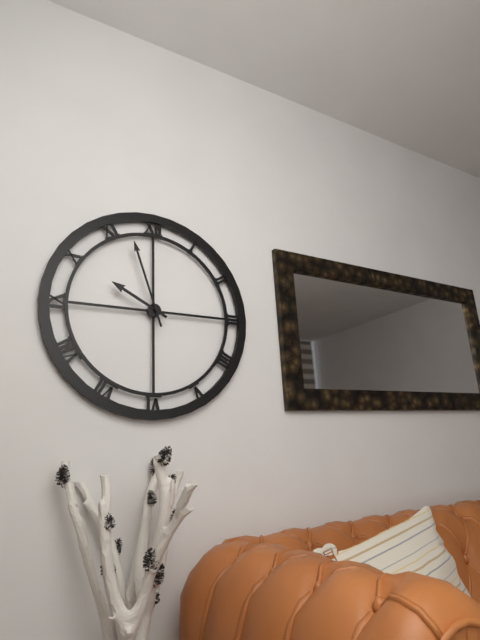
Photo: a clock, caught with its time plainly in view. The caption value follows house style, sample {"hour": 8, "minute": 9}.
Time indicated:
{"hour": 9, "minute": 57}
